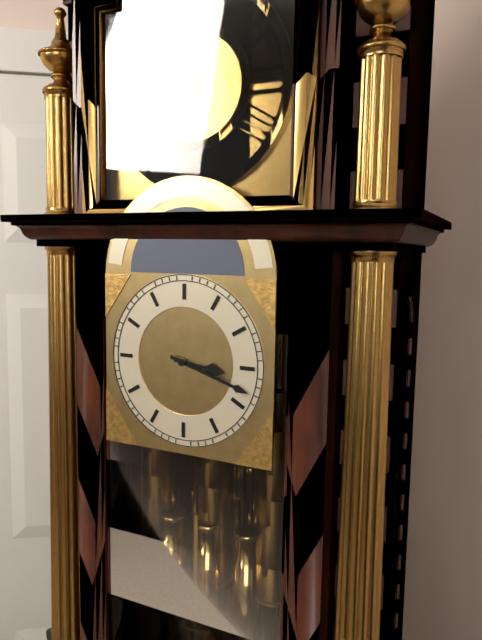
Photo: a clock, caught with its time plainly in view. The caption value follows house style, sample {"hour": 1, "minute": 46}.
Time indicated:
{"hour": 3, "minute": 18}
